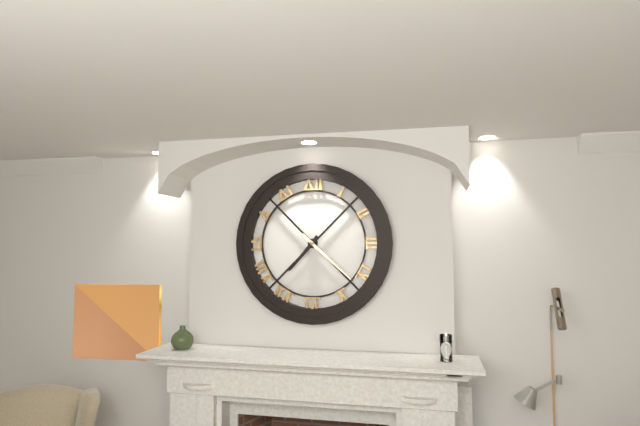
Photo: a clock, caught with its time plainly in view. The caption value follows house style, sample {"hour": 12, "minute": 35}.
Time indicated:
{"hour": 7, "minute": 22}
